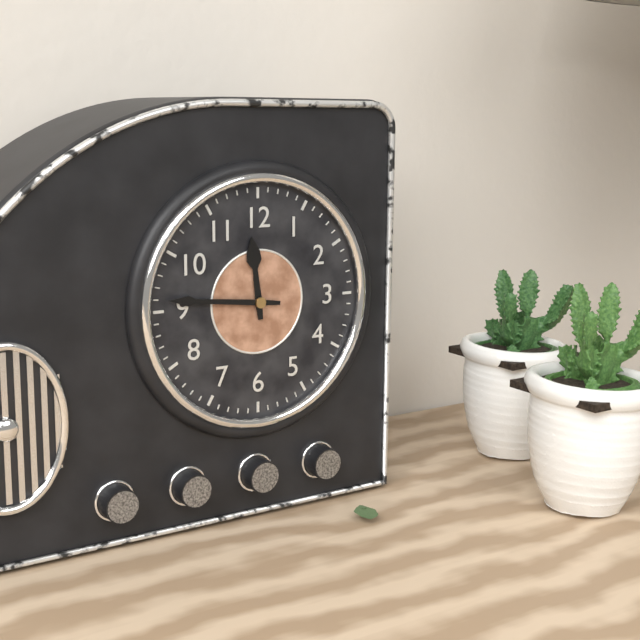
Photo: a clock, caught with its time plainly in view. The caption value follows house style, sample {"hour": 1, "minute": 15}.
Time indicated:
{"hour": 11, "minute": 46}
